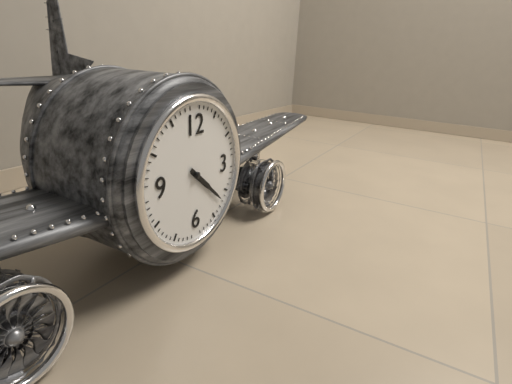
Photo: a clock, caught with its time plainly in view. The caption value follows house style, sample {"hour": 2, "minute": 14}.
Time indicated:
{"hour": 4, "minute": 22}
